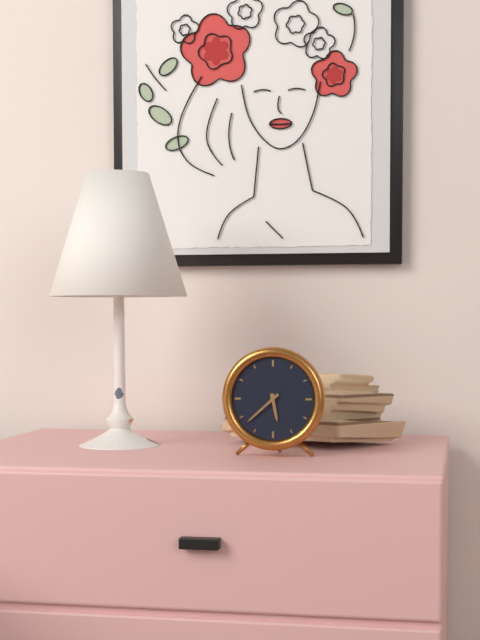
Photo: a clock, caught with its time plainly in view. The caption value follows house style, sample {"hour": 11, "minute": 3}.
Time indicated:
{"hour": 5, "minute": 38}
